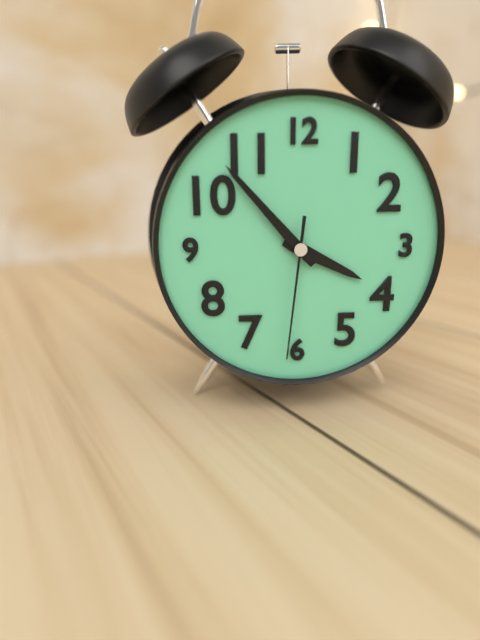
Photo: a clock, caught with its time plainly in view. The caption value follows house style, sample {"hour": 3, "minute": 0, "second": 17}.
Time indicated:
{"hour": 3, "minute": 53, "second": 31}
